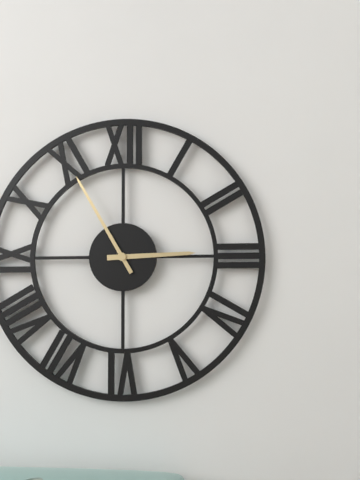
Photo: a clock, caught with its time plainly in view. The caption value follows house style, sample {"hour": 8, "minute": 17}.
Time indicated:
{"hour": 2, "minute": 55}
